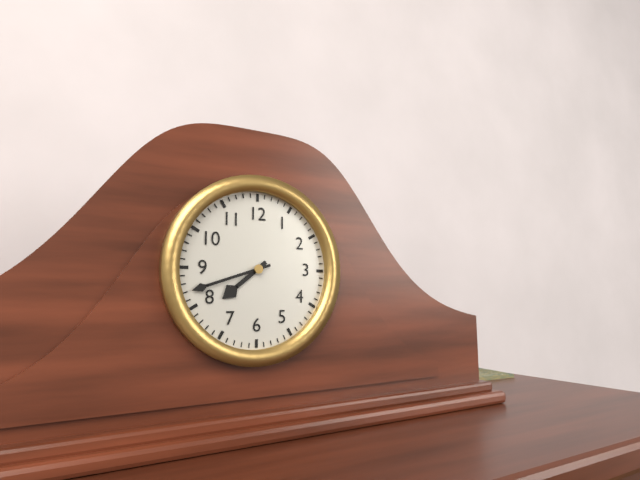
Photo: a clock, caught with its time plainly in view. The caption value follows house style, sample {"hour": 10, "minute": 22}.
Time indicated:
{"hour": 7, "minute": 42}
